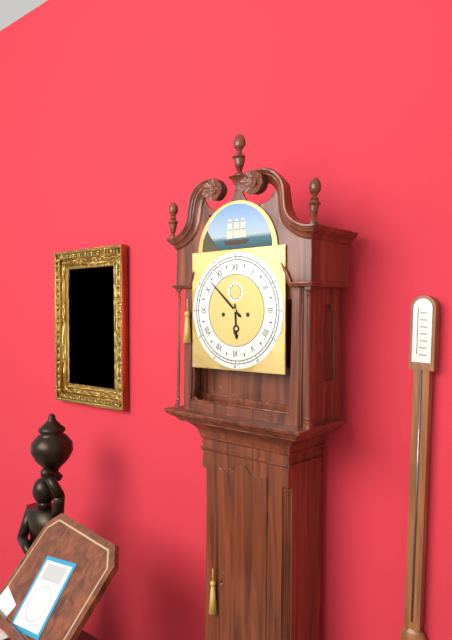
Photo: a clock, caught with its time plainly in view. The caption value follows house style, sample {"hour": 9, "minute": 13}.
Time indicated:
{"hour": 5, "minute": 52}
